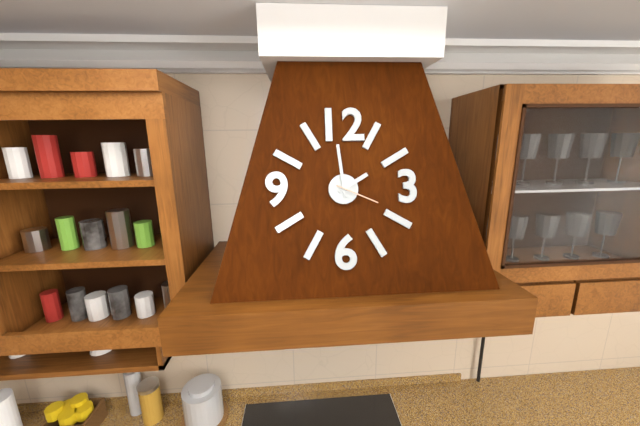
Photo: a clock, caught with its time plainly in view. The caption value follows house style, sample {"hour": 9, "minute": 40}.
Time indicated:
{"hour": 1, "minute": 59}
